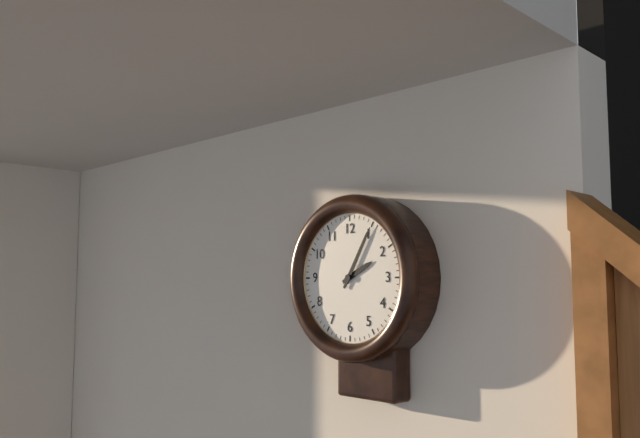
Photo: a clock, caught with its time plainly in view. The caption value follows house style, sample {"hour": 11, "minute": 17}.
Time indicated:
{"hour": 2, "minute": 5}
